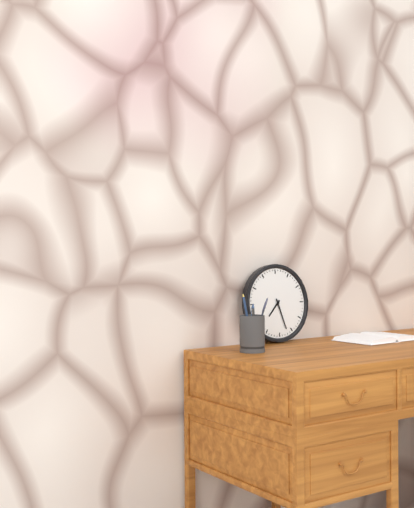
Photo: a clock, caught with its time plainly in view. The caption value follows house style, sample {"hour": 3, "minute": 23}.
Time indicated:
{"hour": 7, "minute": 27}
